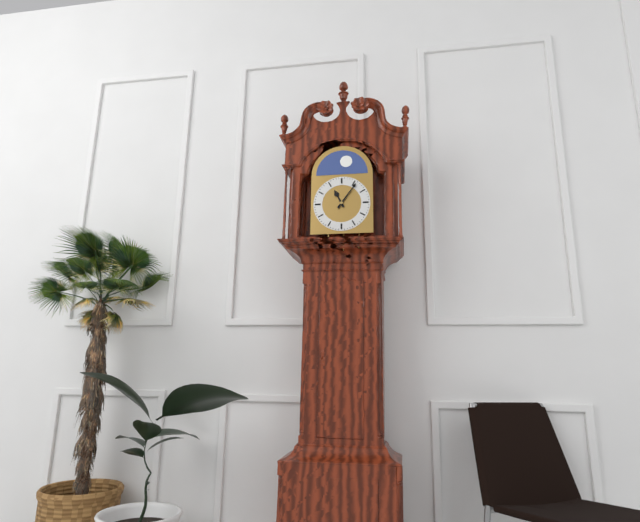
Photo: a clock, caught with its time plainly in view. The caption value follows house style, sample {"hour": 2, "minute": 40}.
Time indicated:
{"hour": 11, "minute": 6}
